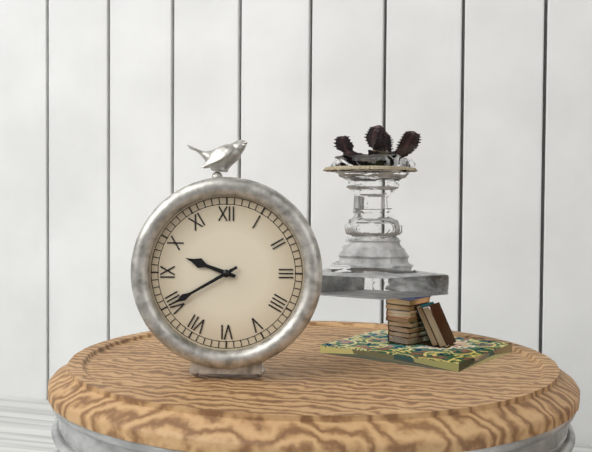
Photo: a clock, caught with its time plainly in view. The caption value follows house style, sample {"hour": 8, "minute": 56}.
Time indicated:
{"hour": 9, "minute": 40}
